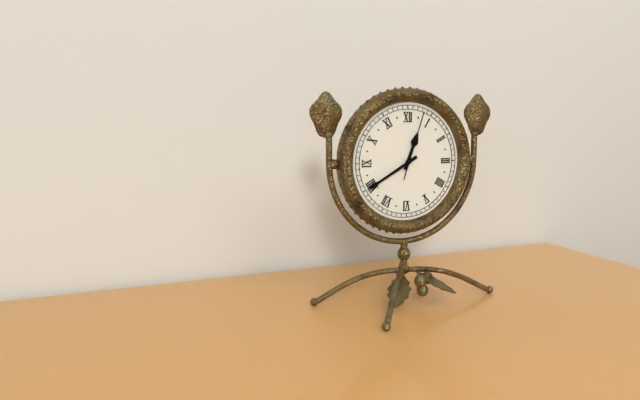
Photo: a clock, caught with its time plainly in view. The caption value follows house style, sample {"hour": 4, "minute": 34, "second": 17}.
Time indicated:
{"hour": 12, "minute": 40, "second": 3}
